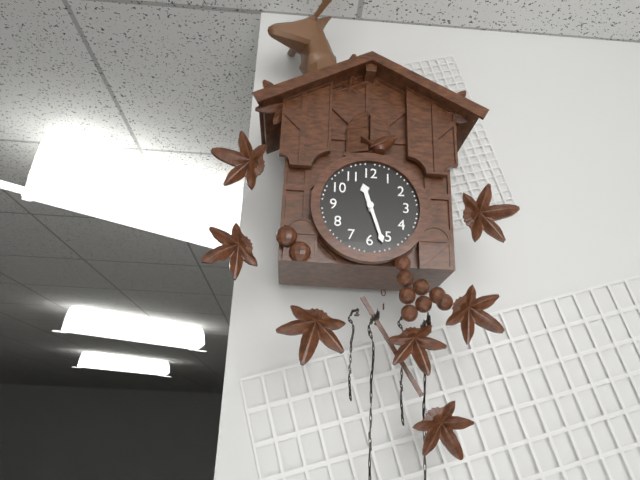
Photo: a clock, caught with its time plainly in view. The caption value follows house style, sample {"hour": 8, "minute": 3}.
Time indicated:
{"hour": 11, "minute": 27}
